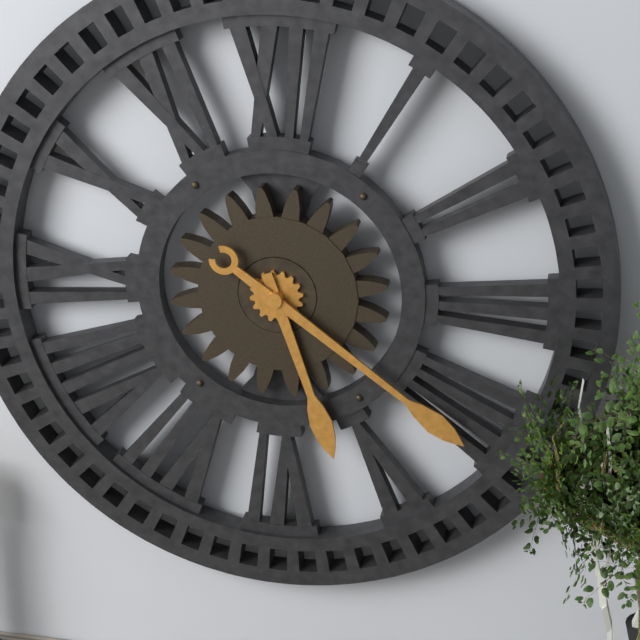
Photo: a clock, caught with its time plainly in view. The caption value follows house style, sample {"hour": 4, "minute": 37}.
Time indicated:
{"hour": 5, "minute": 21}
